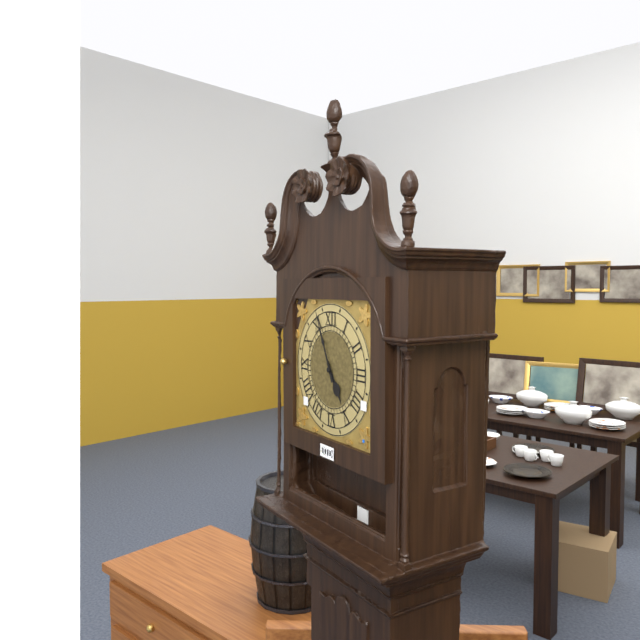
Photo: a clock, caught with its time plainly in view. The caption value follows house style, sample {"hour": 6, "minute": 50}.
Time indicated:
{"hour": 4, "minute": 56}
